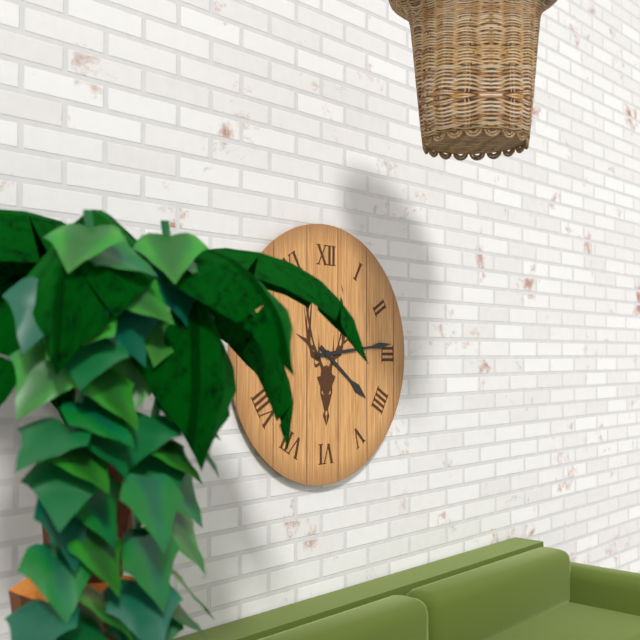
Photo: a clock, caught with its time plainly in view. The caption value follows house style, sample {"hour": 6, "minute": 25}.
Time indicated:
{"hour": 4, "minute": 14}
